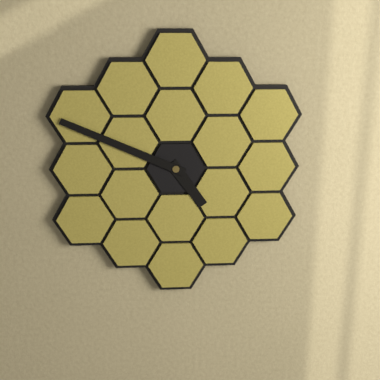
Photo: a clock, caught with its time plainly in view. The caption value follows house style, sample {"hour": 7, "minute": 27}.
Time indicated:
{"hour": 4, "minute": 49}
